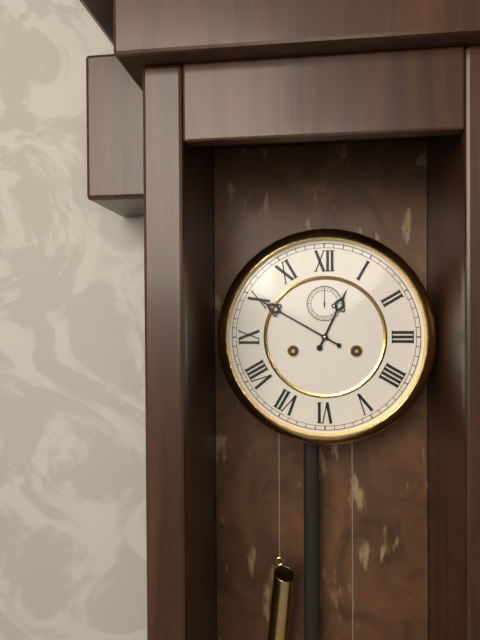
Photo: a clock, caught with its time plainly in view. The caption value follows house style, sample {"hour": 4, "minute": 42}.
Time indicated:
{"hour": 12, "minute": 50}
